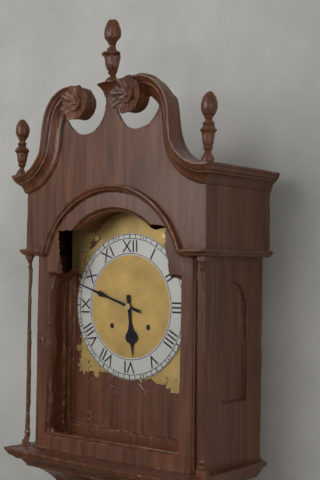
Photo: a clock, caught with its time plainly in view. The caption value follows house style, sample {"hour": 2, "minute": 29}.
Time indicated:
{"hour": 5, "minute": 48}
